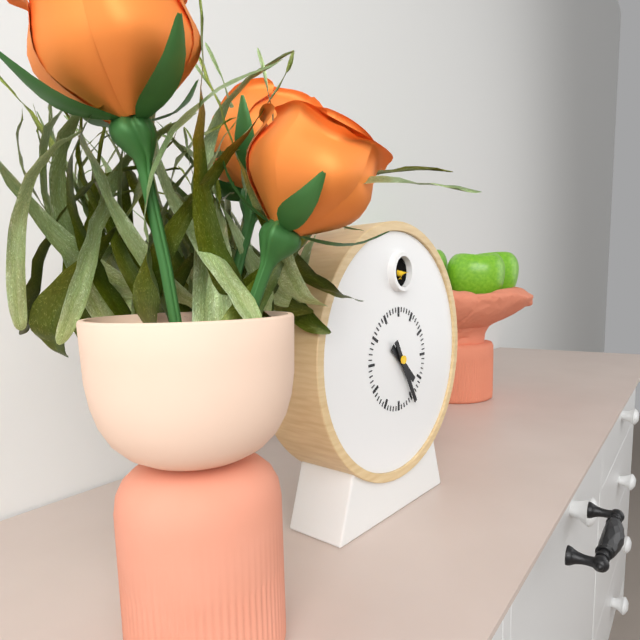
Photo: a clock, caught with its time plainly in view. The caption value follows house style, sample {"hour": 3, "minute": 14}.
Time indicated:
{"hour": 4, "minute": 25}
